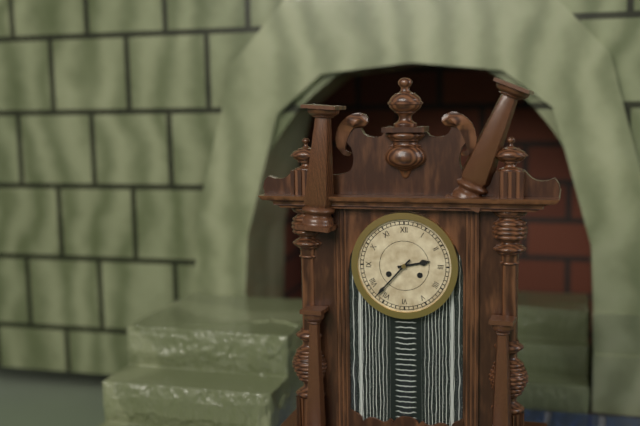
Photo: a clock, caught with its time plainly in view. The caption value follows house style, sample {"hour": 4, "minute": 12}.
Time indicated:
{"hour": 2, "minute": 37}
